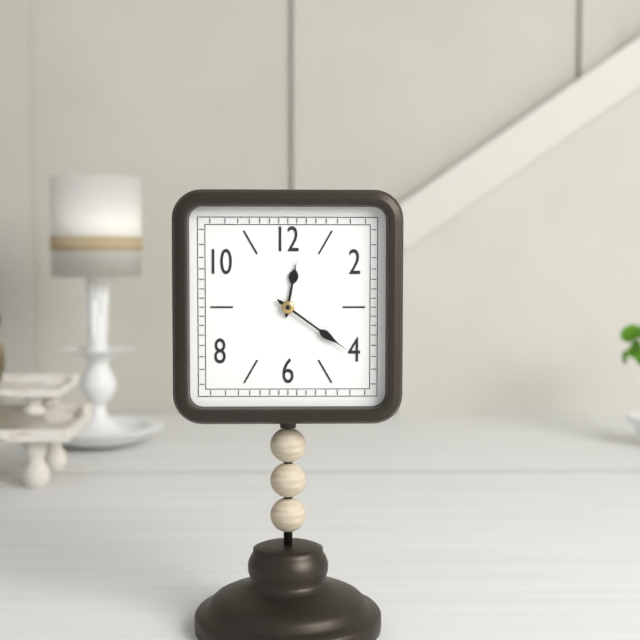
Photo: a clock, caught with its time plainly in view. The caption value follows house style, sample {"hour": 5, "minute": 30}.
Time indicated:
{"hour": 12, "minute": 21}
